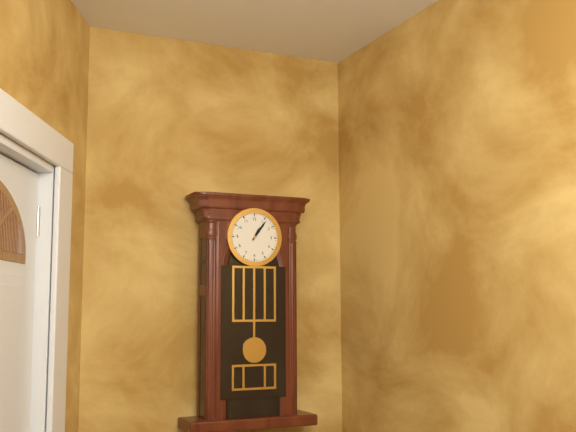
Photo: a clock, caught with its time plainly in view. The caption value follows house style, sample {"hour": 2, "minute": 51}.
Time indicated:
{"hour": 1, "minute": 6}
